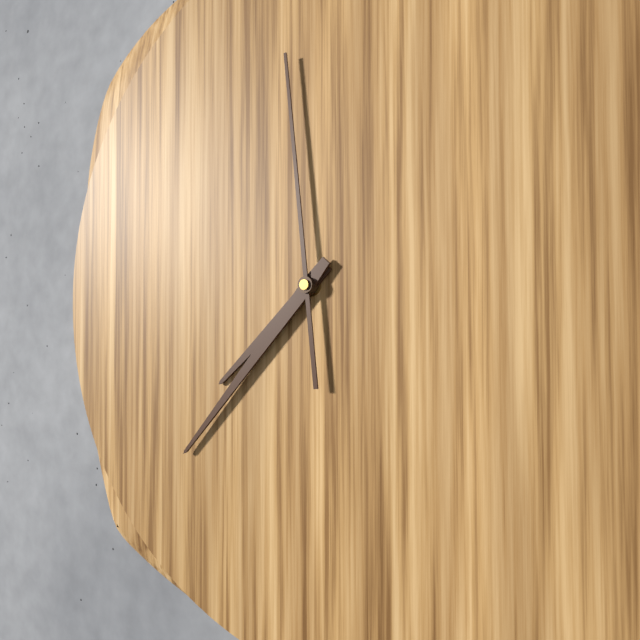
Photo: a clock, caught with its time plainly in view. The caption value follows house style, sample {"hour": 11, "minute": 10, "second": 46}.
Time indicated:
{"hour": 7, "minute": 37, "second": 59}
